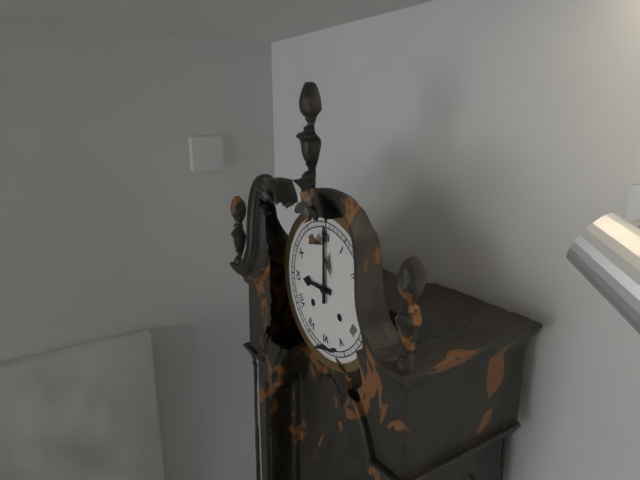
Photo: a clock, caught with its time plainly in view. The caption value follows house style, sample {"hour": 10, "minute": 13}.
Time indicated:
{"hour": 9, "minute": 0}
